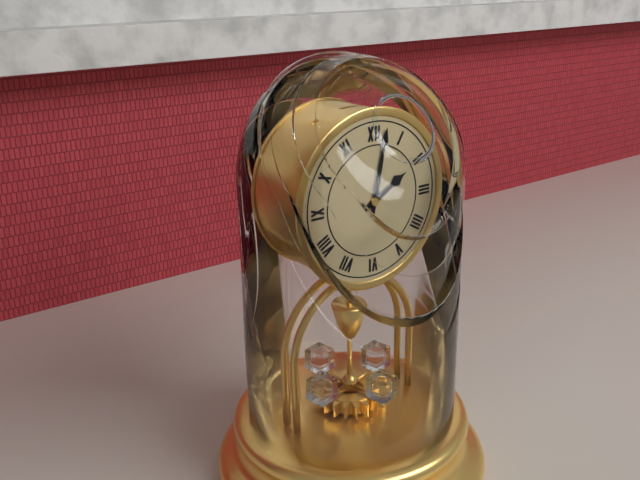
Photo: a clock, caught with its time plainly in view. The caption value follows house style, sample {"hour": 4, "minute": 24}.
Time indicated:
{"hour": 2, "minute": 2}
